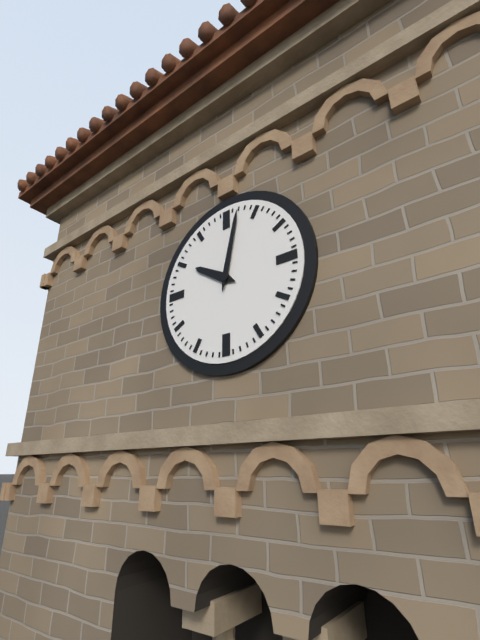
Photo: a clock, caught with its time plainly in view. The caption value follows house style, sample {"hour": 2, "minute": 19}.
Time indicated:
{"hour": 10, "minute": 2}
